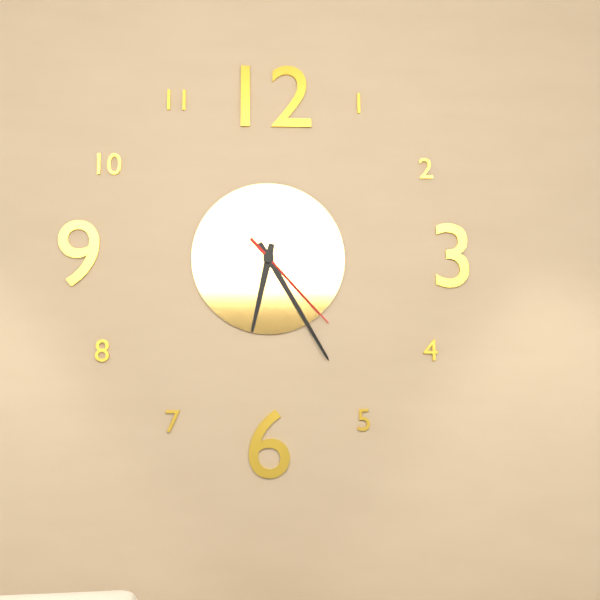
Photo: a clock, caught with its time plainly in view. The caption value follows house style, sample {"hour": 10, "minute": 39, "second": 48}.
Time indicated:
{"hour": 6, "minute": 25, "second": 23}
